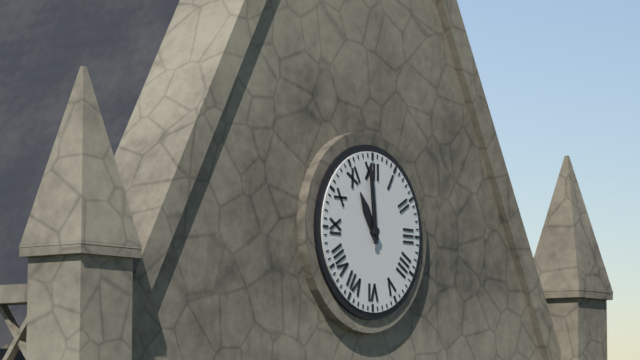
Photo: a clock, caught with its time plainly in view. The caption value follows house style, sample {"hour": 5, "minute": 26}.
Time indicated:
{"hour": 10, "minute": 59}
